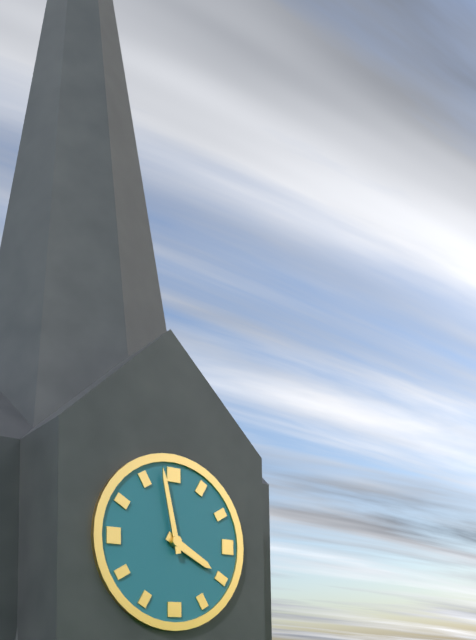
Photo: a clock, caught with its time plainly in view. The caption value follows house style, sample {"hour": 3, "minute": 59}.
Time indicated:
{"hour": 3, "minute": 58}
